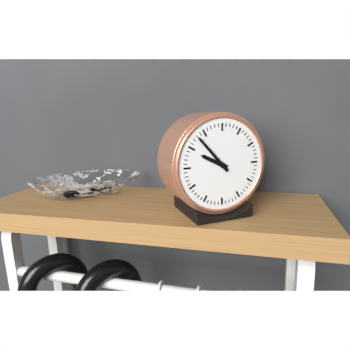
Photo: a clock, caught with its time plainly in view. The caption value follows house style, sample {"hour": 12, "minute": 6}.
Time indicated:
{"hour": 9, "minute": 53}
